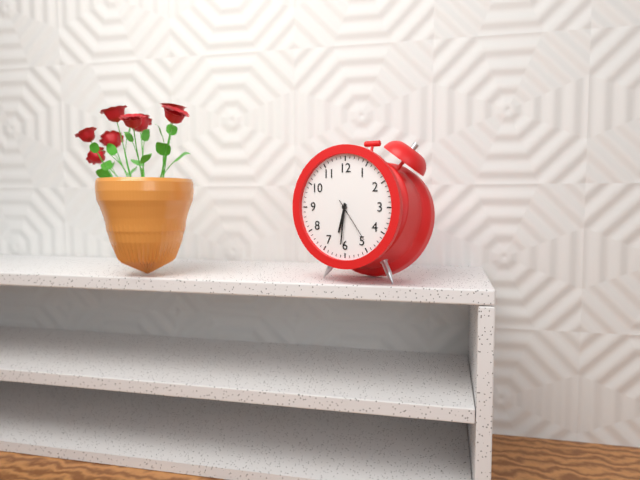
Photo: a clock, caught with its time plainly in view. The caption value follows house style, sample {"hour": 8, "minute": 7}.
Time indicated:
{"hour": 6, "minute": 31}
